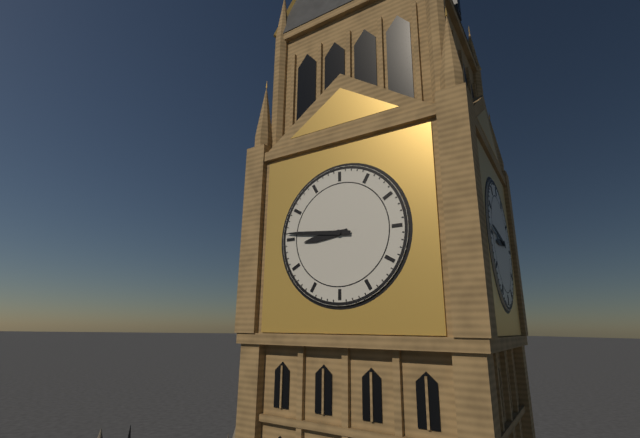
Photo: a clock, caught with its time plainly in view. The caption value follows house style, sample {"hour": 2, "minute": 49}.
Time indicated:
{"hour": 8, "minute": 46}
